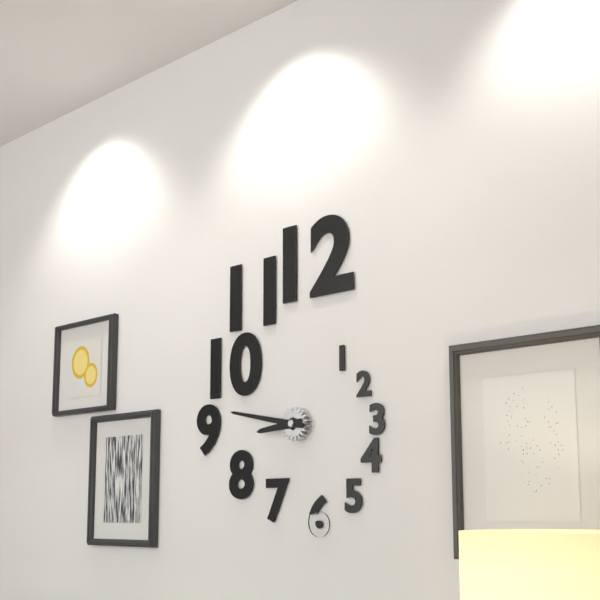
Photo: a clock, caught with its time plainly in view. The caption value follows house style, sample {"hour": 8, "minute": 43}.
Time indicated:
{"hour": 8, "minute": 47}
